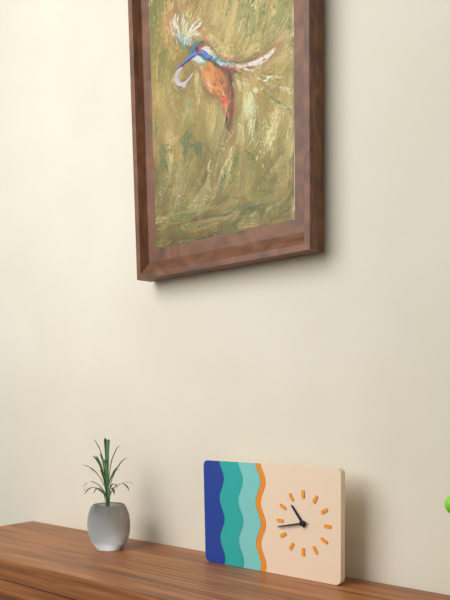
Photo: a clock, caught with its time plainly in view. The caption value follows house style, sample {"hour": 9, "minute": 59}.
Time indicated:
{"hour": 10, "minute": 43}
